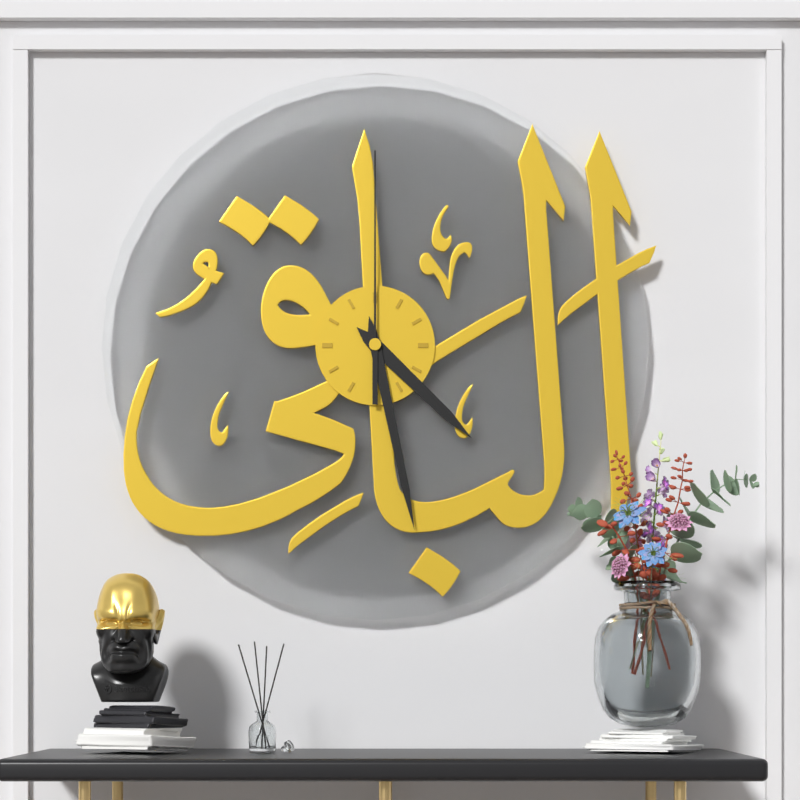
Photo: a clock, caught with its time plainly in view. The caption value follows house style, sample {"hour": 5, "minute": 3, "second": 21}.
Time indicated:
{"hour": 4, "minute": 28, "second": 0}
